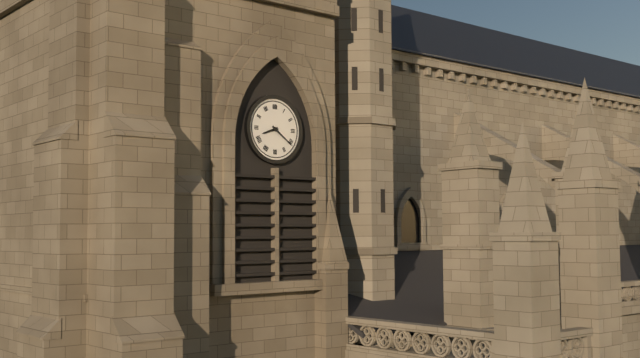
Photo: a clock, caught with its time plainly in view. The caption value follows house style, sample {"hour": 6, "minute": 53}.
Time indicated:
{"hour": 8, "minute": 21}
